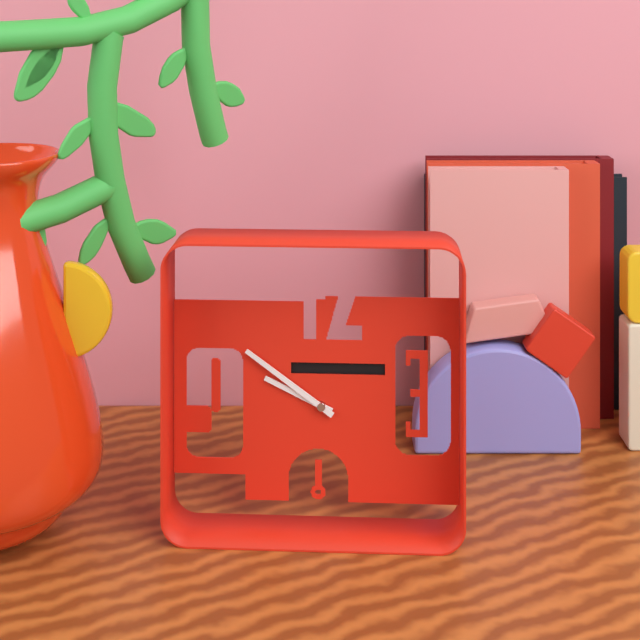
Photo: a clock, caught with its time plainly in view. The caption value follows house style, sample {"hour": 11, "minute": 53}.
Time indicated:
{"hour": 9, "minute": 51}
